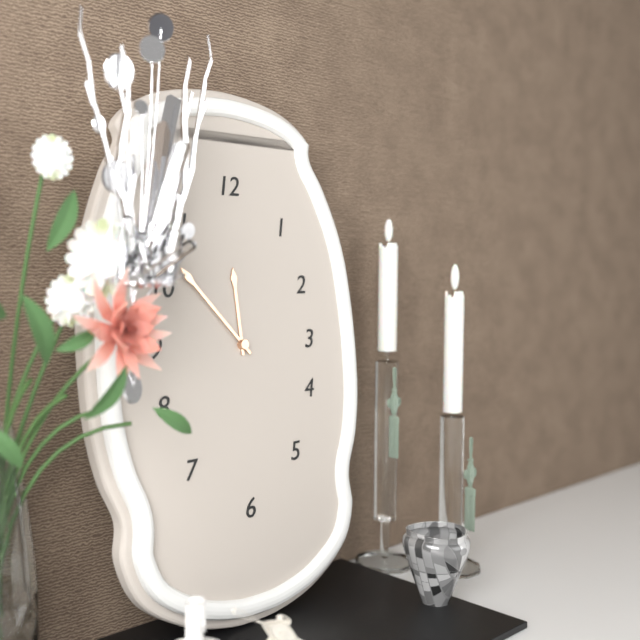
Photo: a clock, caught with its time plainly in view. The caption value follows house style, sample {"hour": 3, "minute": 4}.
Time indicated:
{"hour": 11, "minute": 53}
